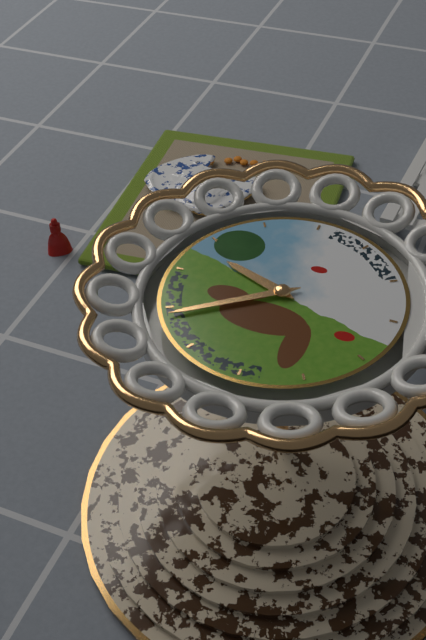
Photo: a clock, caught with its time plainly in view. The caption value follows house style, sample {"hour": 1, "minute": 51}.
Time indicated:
{"hour": 9, "minute": 39}
